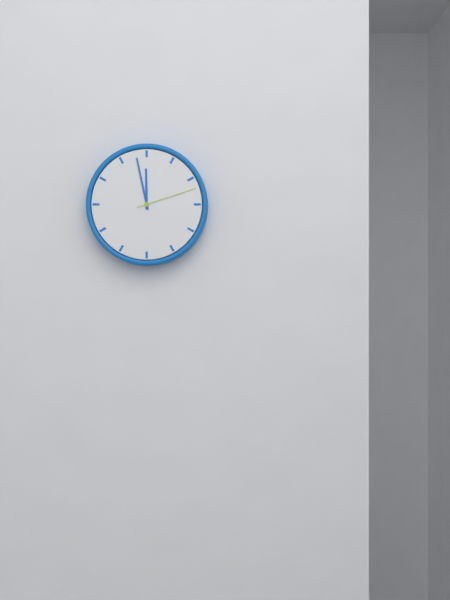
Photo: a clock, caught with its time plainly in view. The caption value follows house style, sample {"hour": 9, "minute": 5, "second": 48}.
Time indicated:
{"hour": 11, "minute": 58, "second": 12}
